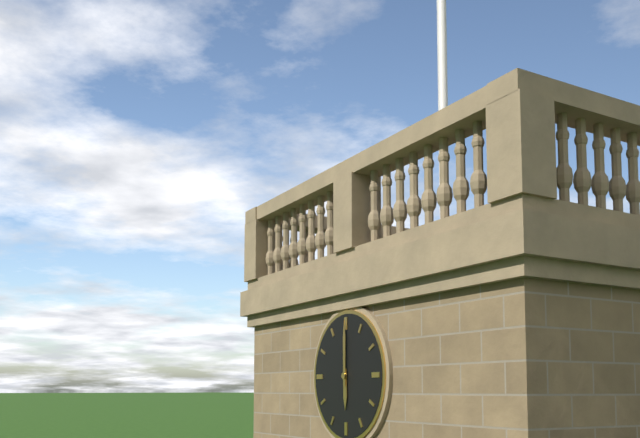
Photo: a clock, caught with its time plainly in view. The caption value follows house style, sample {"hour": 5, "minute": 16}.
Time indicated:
{"hour": 6, "minute": 0}
